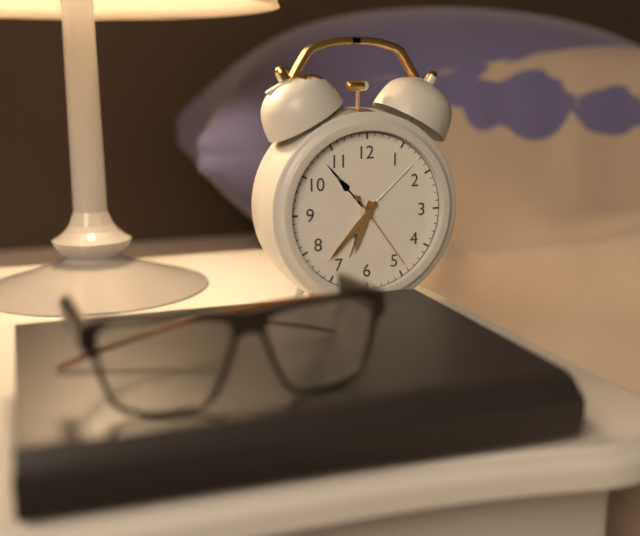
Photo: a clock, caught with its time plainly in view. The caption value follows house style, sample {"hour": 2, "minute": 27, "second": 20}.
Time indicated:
{"hour": 6, "minute": 37, "second": 24}
